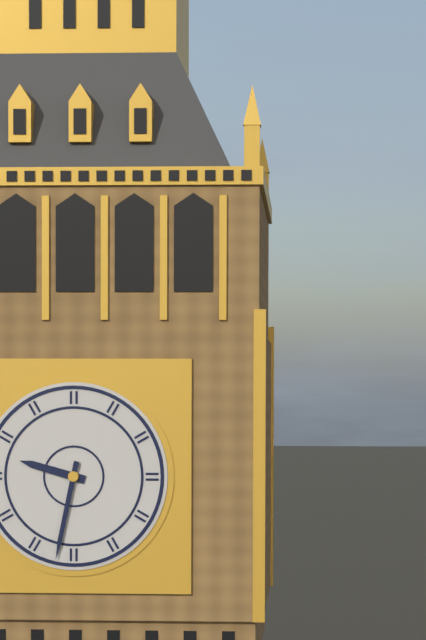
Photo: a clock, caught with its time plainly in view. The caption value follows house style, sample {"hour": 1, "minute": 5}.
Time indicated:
{"hour": 9, "minute": 32}
